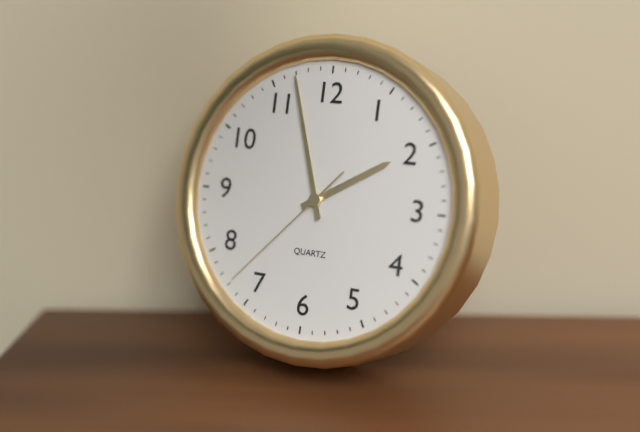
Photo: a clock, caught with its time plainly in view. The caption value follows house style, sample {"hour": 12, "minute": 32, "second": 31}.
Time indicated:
{"hour": 1, "minute": 57, "second": 37}
